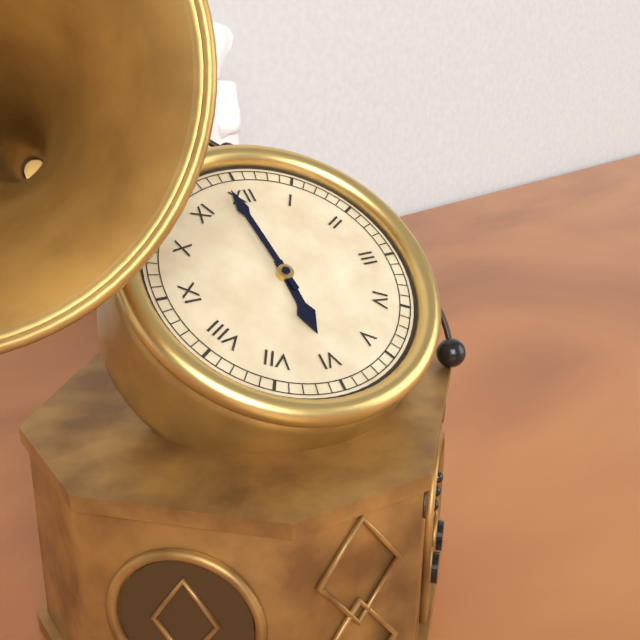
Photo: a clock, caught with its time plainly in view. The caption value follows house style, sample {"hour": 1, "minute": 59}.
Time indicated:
{"hour": 5, "minute": 59}
